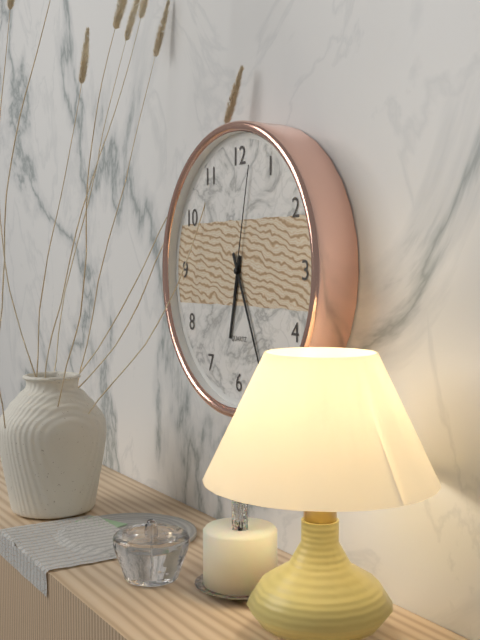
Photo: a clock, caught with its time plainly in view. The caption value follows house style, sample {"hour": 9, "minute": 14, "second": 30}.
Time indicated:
{"hour": 6, "minute": 26, "second": 2}
